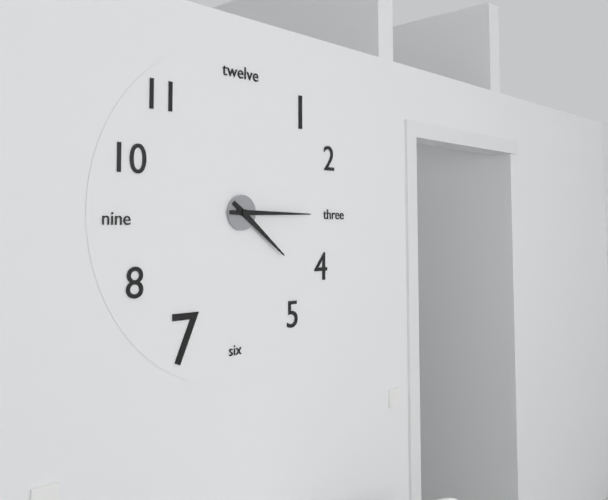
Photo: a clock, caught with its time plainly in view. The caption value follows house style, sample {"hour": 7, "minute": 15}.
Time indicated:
{"hour": 4, "minute": 15}
